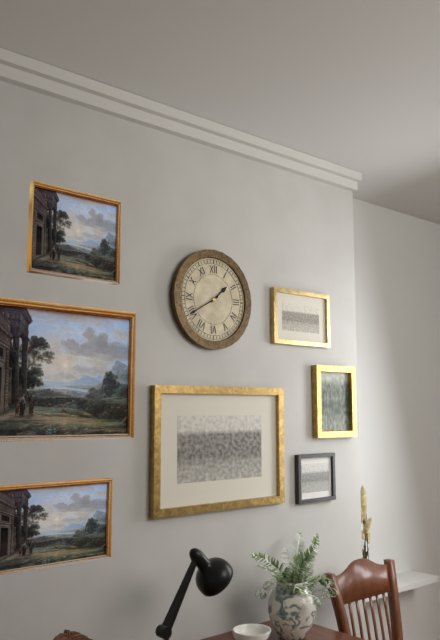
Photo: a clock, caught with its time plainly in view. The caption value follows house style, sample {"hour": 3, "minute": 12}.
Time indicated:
{"hour": 1, "minute": 40}
